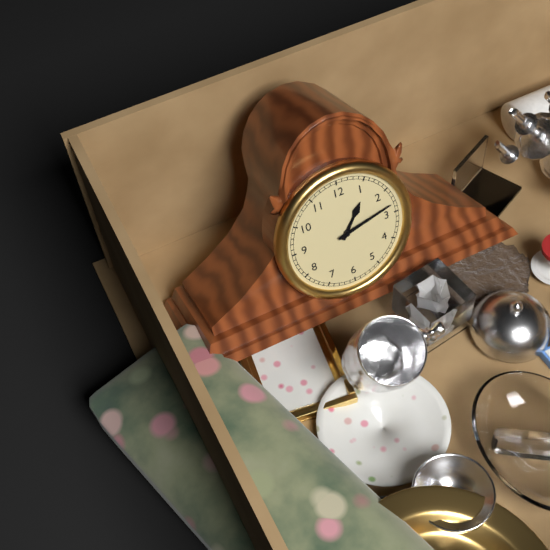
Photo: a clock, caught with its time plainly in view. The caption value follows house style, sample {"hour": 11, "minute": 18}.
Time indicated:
{"hour": 1, "minute": 13}
